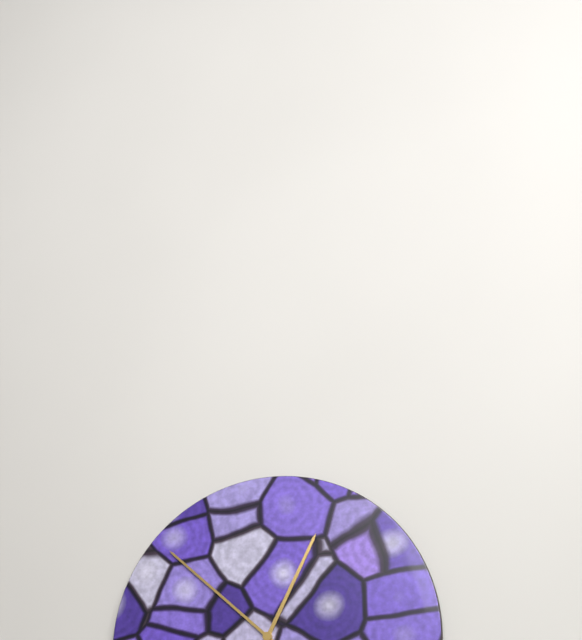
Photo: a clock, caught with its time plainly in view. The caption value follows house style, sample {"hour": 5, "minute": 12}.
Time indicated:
{"hour": 12, "minute": 52}
